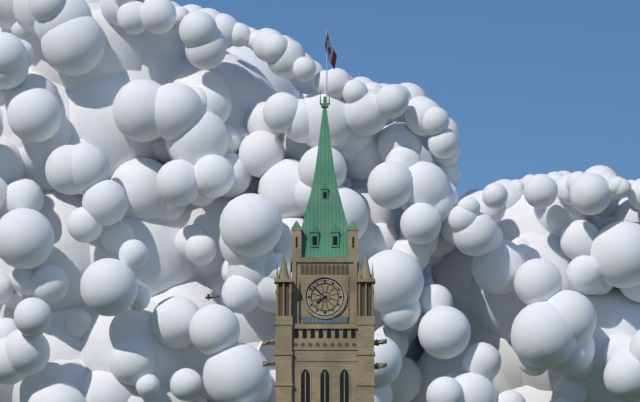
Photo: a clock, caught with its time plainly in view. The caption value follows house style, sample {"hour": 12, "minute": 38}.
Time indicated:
{"hour": 7, "minute": 52}
